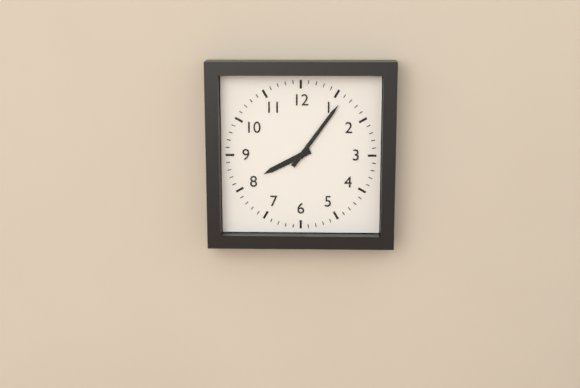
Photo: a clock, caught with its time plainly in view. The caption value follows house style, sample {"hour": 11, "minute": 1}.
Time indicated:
{"hour": 8, "minute": 6}
